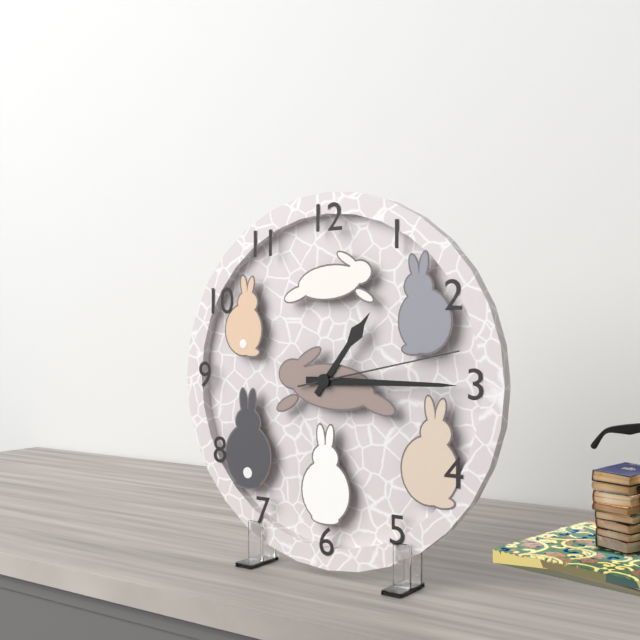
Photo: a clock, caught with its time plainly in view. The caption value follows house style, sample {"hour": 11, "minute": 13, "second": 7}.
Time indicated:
{"hour": 1, "minute": 15, "second": 13}
